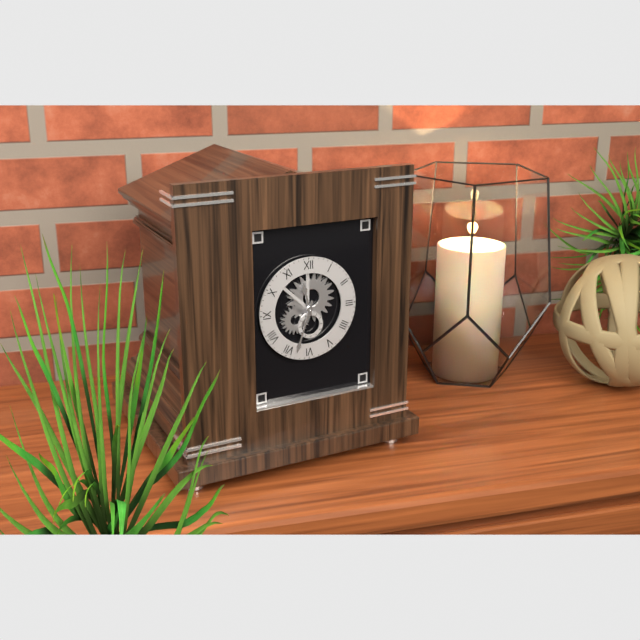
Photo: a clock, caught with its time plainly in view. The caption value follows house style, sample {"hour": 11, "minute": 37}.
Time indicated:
{"hour": 11, "minute": 33}
